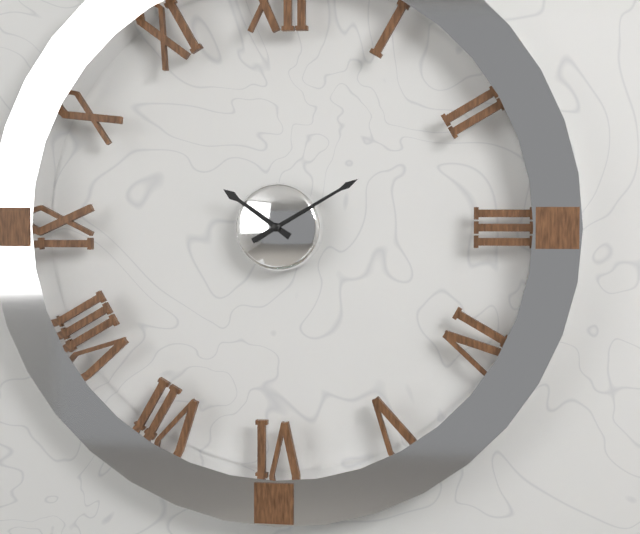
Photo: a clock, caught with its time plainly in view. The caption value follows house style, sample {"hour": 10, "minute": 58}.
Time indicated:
{"hour": 10, "minute": 10}
